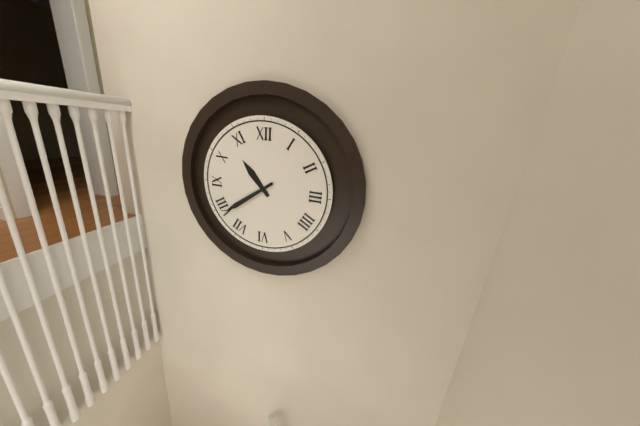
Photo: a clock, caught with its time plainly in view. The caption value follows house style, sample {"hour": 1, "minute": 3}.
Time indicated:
{"hour": 10, "minute": 39}
